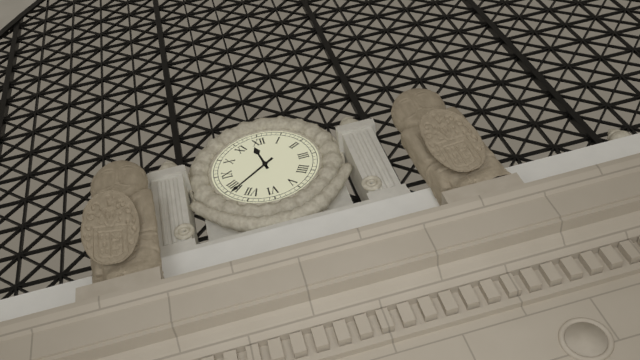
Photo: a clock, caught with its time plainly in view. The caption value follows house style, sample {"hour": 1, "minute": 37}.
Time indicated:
{"hour": 11, "minute": 39}
